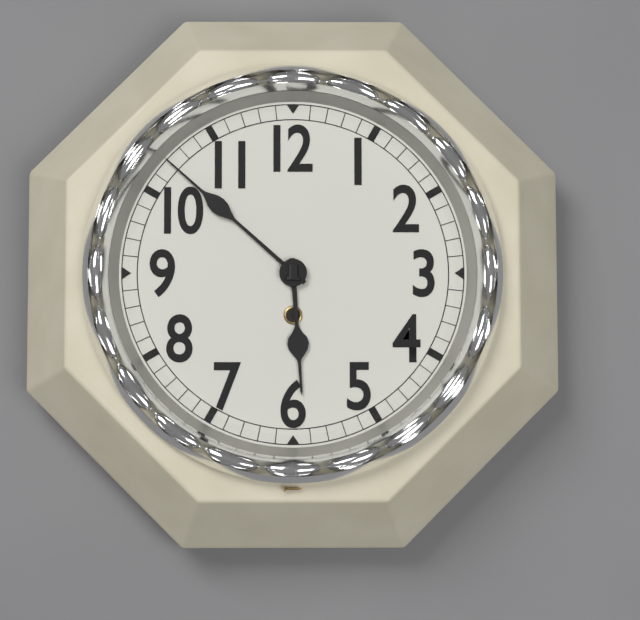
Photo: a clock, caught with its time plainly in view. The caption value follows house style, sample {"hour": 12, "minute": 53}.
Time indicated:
{"hour": 5, "minute": 52}
